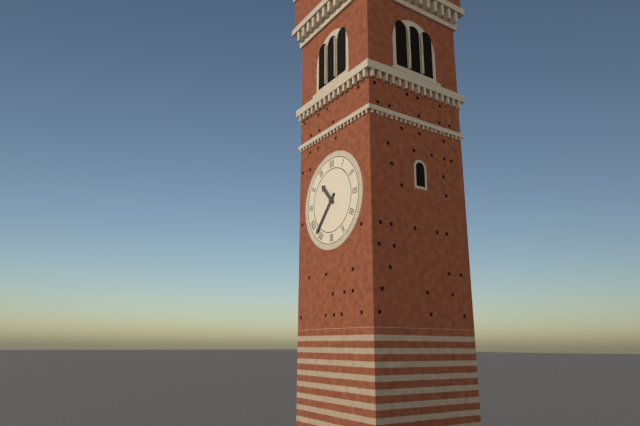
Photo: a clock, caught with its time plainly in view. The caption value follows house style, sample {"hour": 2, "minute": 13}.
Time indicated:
{"hour": 10, "minute": 37}
